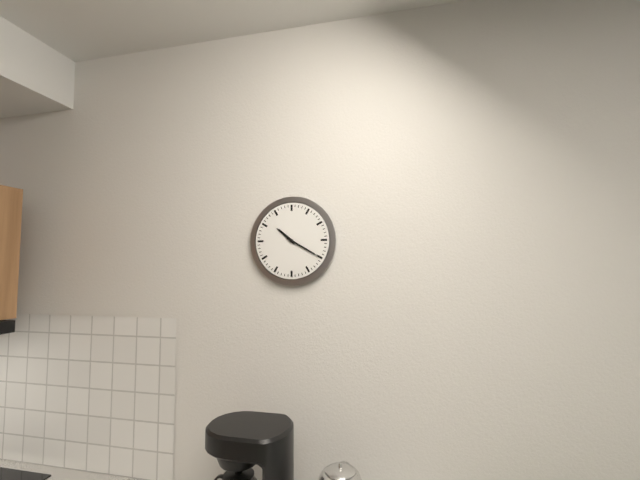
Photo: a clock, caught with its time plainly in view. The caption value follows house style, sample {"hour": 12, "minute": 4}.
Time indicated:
{"hour": 10, "minute": 20}
